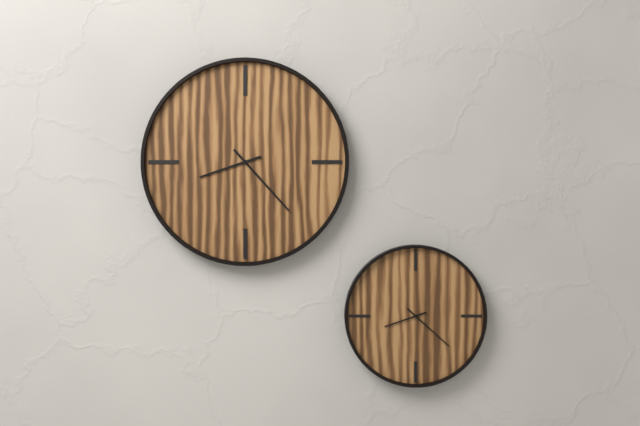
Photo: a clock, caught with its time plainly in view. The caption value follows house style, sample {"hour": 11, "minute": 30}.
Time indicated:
{"hour": 8, "minute": 23}
